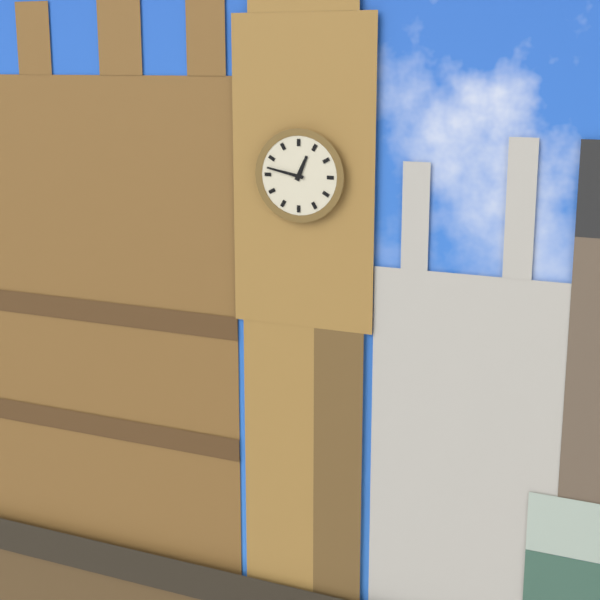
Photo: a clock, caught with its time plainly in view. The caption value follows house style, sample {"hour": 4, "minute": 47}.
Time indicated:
{"hour": 12, "minute": 47}
